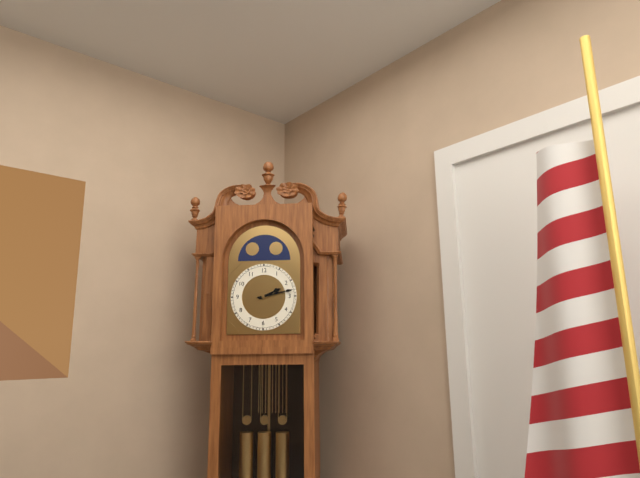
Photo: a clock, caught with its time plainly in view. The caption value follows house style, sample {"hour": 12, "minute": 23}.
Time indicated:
{"hour": 2, "minute": 13}
